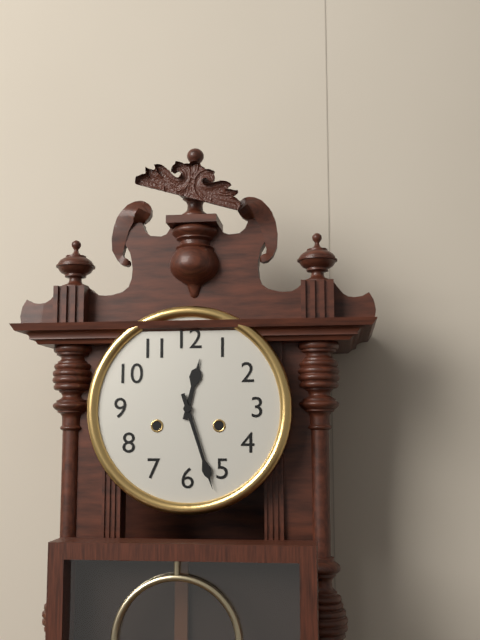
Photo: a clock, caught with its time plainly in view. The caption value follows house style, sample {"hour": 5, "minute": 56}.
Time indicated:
{"hour": 12, "minute": 27}
